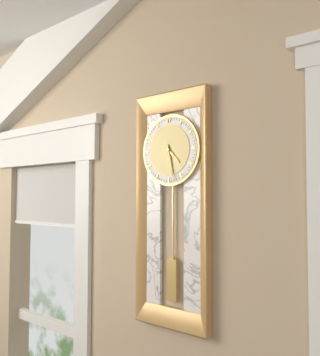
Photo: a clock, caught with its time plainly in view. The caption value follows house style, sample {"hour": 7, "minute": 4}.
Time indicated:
{"hour": 4, "minute": 28}
